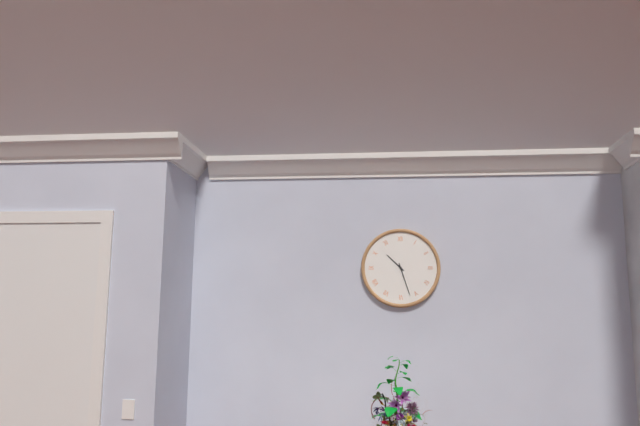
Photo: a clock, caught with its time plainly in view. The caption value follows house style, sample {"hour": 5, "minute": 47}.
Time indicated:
{"hour": 10, "minute": 27}
